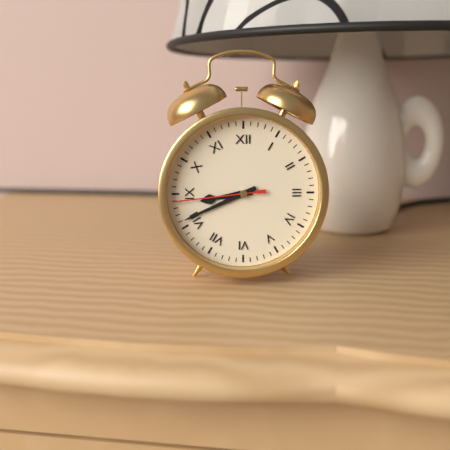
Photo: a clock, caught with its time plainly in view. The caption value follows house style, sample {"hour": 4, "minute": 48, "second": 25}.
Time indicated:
{"hour": 8, "minute": 41, "second": 44}
